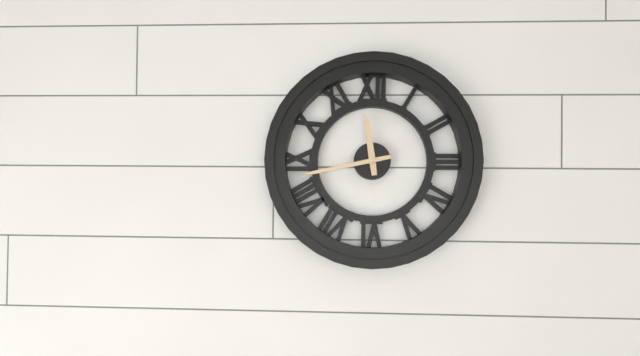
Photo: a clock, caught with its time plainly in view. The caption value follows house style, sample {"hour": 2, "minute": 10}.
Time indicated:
{"hour": 11, "minute": 43}
